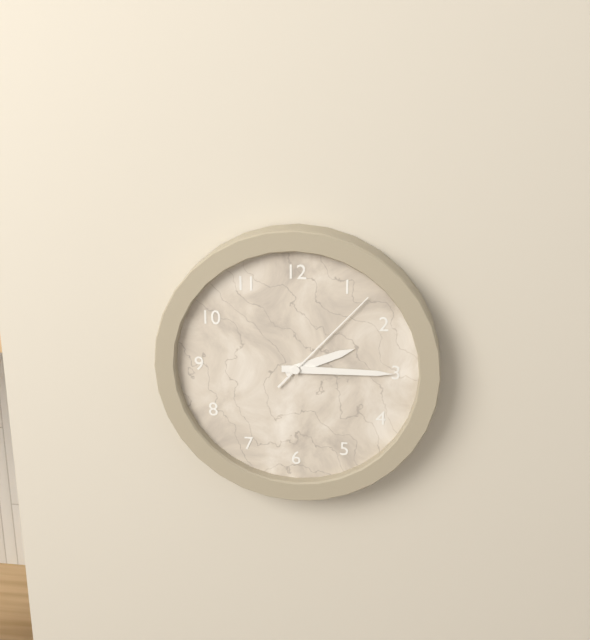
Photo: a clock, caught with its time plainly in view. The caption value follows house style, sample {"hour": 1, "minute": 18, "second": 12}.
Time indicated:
{"hour": 2, "minute": 15, "second": 7}
